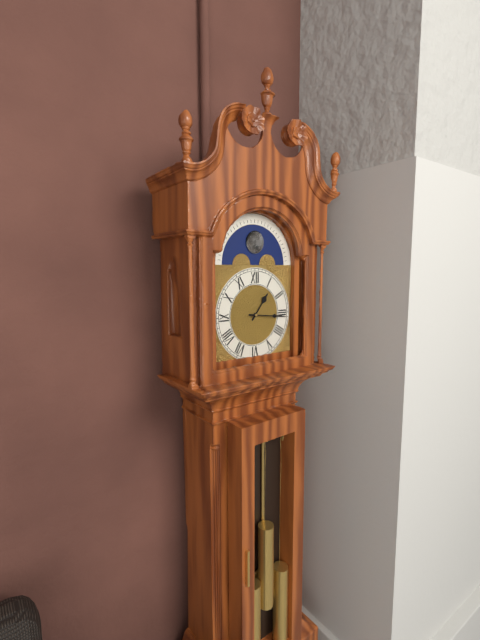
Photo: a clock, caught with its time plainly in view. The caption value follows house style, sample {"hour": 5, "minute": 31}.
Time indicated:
{"hour": 1, "minute": 16}
